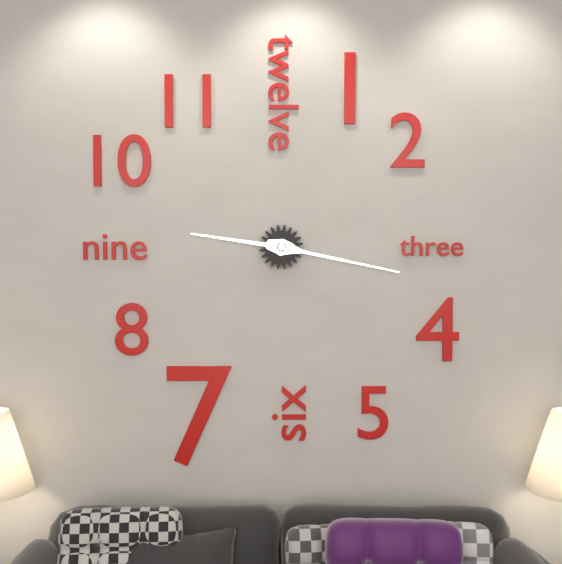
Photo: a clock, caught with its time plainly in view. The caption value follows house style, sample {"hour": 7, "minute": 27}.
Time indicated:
{"hour": 9, "minute": 17}
